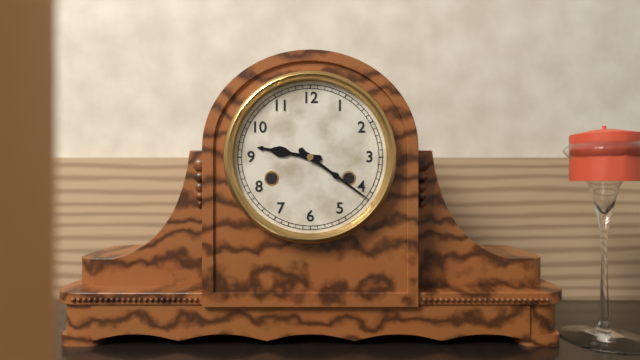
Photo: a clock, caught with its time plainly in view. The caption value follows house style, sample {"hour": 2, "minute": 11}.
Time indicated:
{"hour": 9, "minute": 21}
